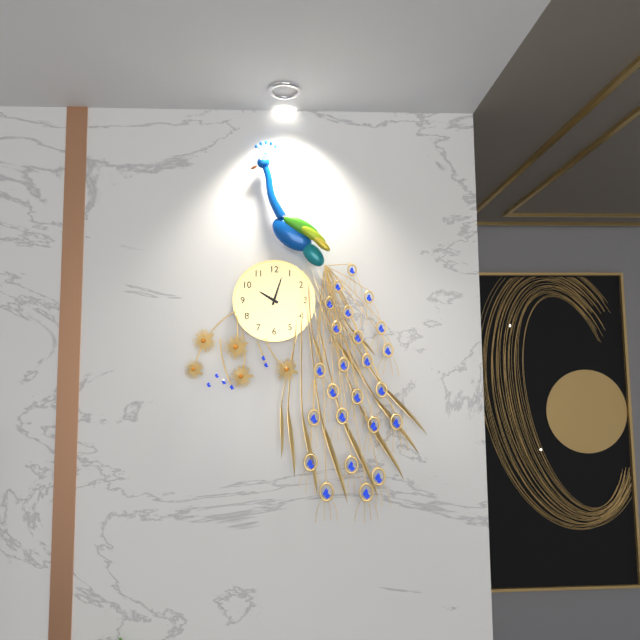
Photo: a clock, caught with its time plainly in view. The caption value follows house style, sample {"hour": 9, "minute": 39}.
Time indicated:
{"hour": 10, "minute": 3}
